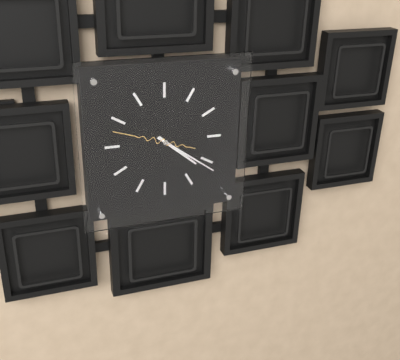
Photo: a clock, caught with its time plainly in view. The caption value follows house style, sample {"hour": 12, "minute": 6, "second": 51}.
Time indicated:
{"hour": 4, "minute": 21, "second": 48}
